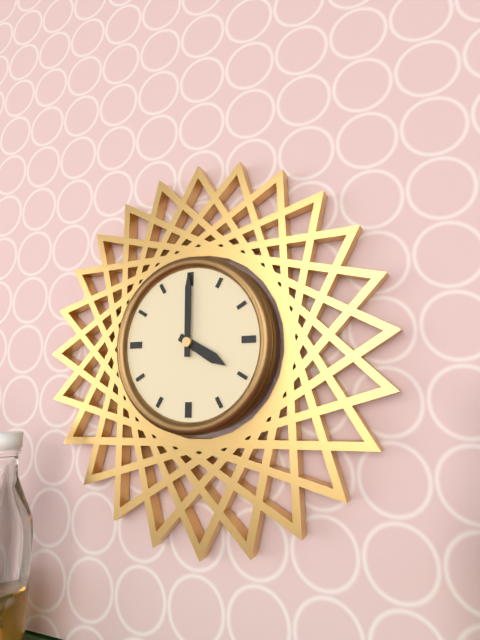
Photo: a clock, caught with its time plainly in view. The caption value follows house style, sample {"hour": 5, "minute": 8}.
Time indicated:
{"hour": 4, "minute": 0}
